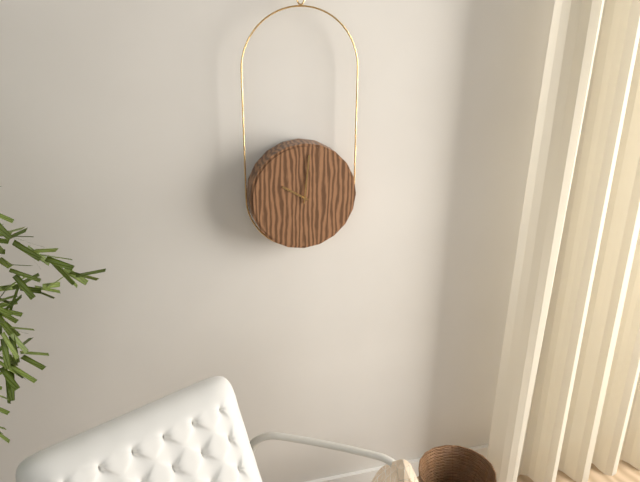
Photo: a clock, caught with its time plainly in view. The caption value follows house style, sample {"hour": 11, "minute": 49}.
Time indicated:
{"hour": 10, "minute": 1}
